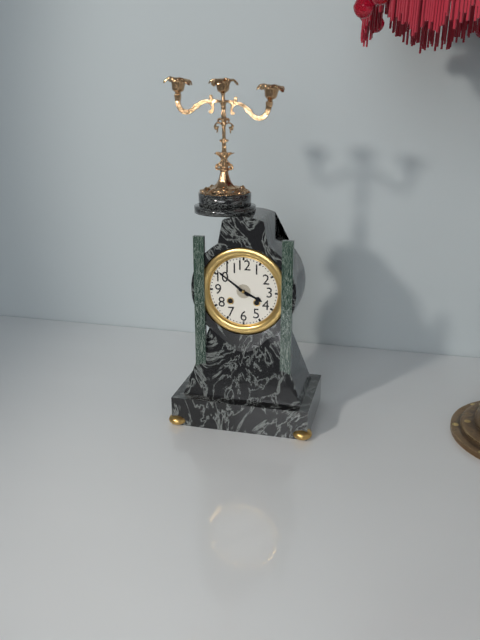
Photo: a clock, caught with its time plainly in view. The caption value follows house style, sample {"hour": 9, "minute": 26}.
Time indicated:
{"hour": 3, "minute": 51}
